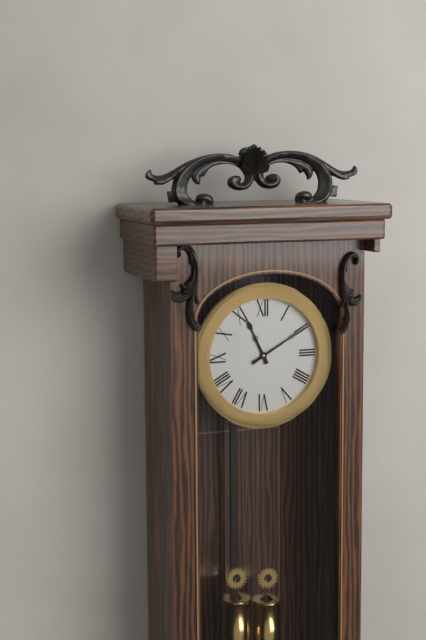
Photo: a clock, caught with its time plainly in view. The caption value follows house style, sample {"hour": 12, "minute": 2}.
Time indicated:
{"hour": 11, "minute": 10}
